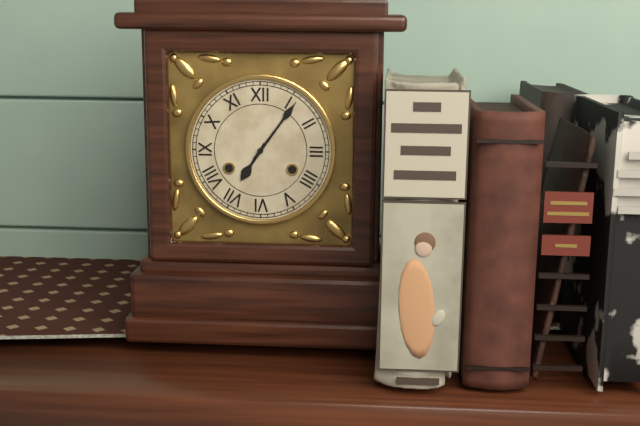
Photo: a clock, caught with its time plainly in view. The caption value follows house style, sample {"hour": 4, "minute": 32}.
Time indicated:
{"hour": 7, "minute": 6}
